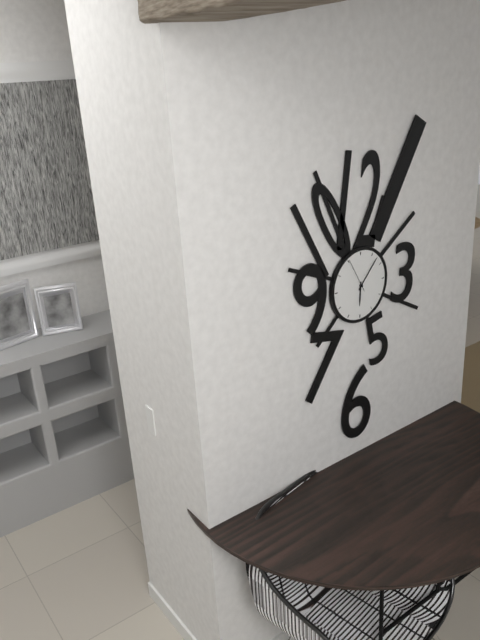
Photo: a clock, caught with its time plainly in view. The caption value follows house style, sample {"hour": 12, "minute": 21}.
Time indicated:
{"hour": 6, "minute": 7}
